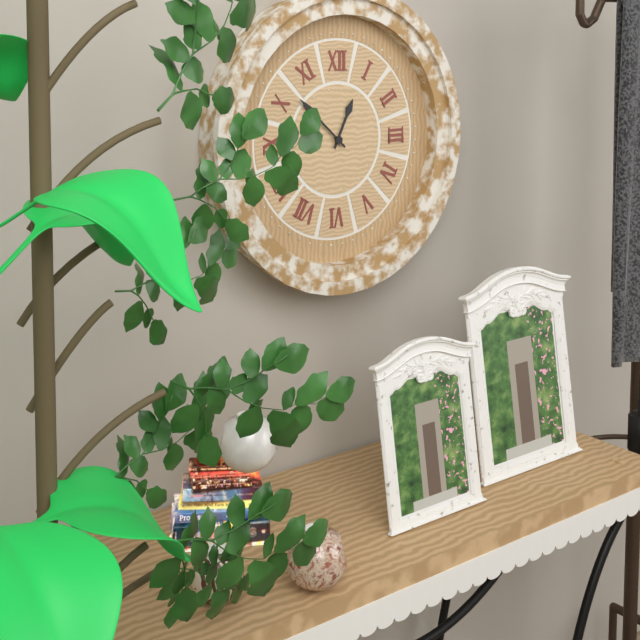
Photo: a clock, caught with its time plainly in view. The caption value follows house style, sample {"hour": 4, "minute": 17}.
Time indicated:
{"hour": 12, "minute": 52}
